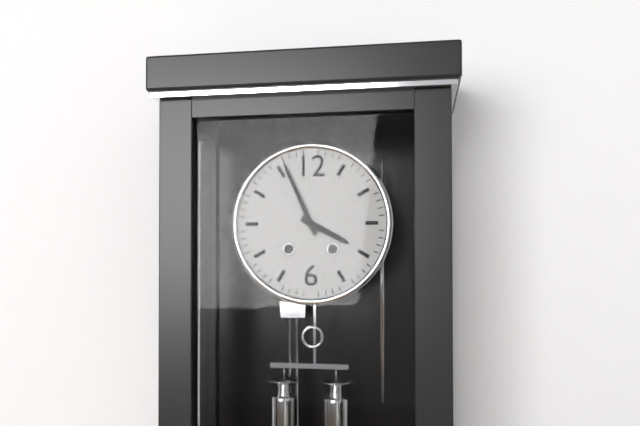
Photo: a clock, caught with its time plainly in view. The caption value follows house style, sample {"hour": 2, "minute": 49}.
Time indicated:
{"hour": 3, "minute": 56}
